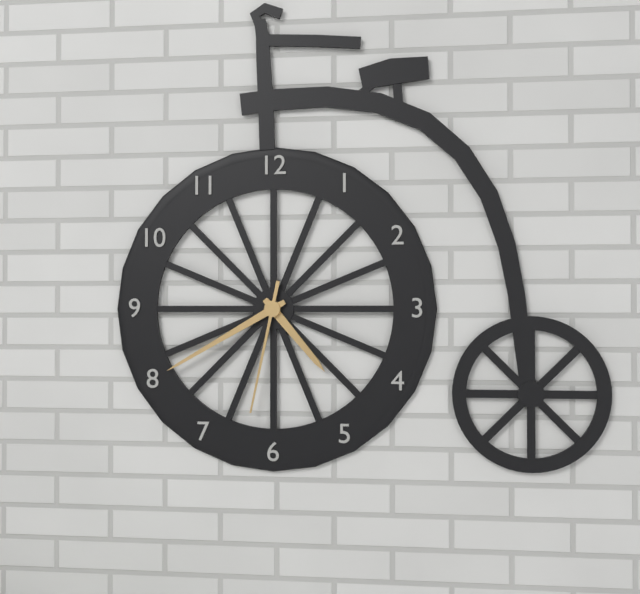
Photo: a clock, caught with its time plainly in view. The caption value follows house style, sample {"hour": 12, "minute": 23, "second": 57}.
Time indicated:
{"hour": 4, "minute": 40, "second": 32}
